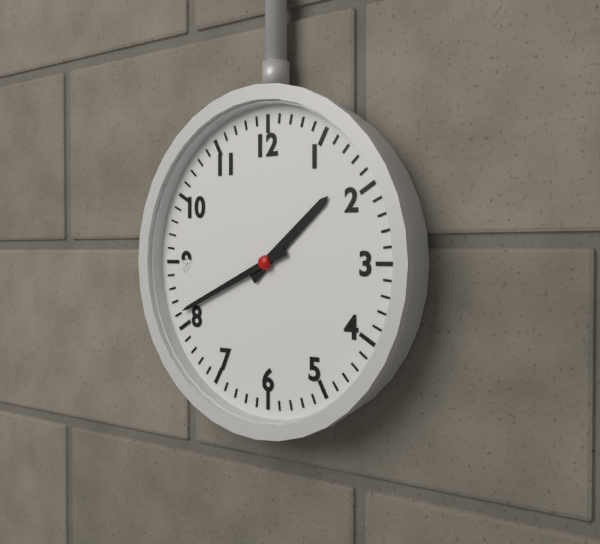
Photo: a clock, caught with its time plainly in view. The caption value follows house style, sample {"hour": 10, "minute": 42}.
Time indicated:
{"hour": 1, "minute": 41}
